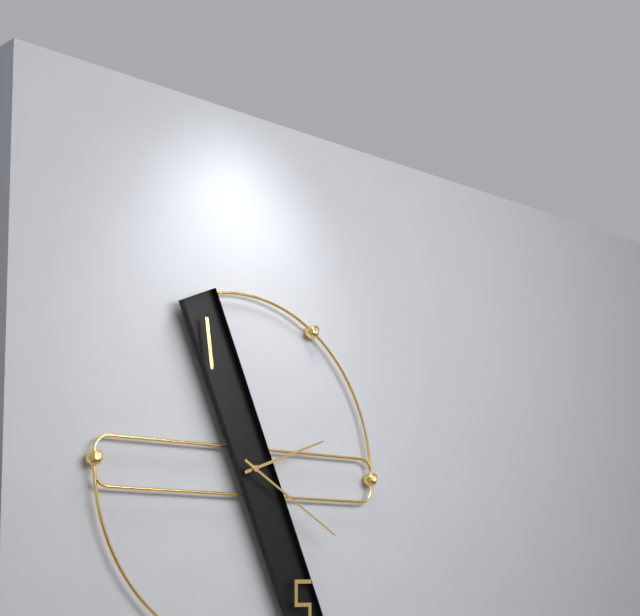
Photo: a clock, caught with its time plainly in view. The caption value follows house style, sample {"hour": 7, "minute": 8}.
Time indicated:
{"hour": 2, "minute": 20}
